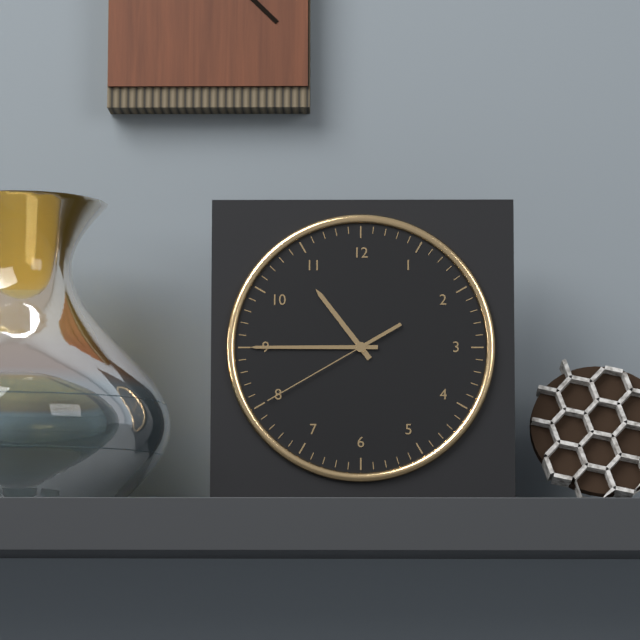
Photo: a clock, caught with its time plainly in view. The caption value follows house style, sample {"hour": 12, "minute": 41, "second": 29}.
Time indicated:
{"hour": 10, "minute": 45, "second": 40}
